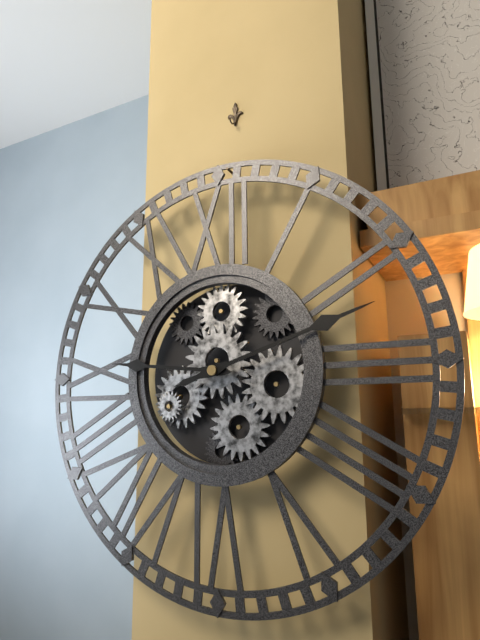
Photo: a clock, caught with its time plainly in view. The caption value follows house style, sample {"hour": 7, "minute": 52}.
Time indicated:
{"hour": 9, "minute": 12}
